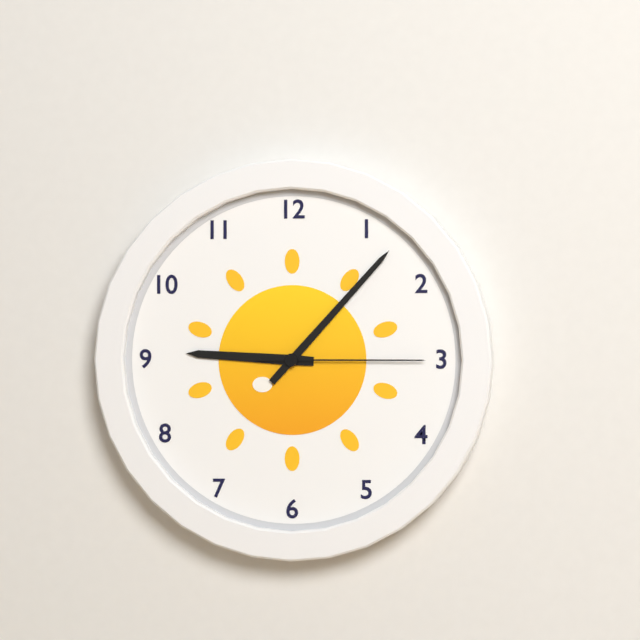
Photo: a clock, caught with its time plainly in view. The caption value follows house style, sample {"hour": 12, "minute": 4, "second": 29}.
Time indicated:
{"hour": 9, "minute": 7, "second": 15}
